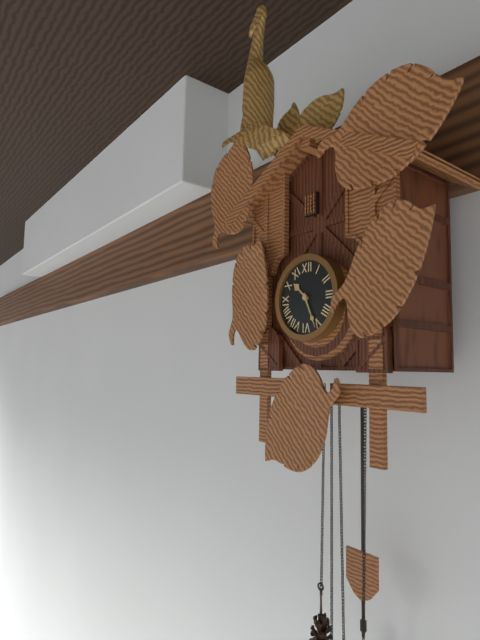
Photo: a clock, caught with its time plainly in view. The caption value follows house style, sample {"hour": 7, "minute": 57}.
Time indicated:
{"hour": 10, "minute": 26}
